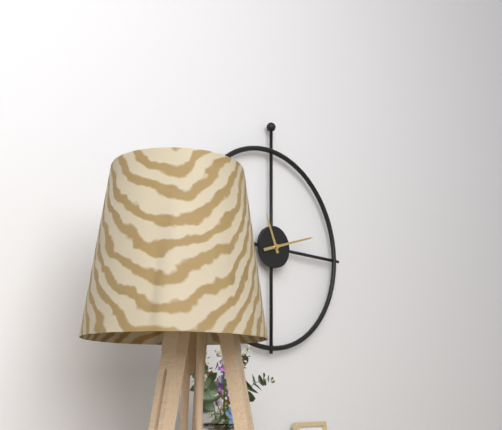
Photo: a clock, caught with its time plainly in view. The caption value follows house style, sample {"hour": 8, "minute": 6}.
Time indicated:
{"hour": 11, "minute": 12}
